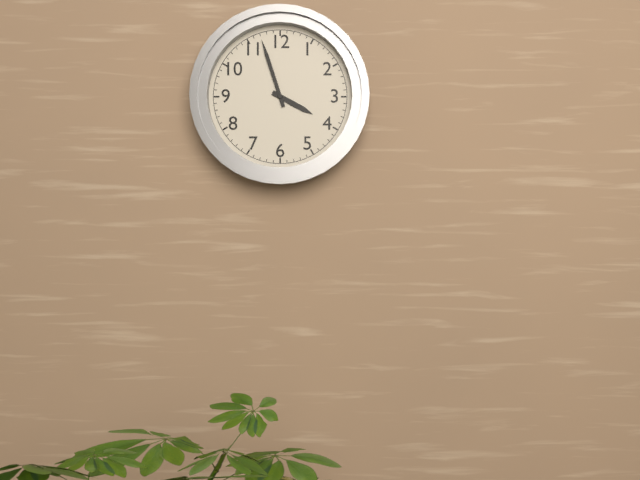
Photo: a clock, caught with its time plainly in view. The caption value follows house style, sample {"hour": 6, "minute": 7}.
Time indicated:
{"hour": 3, "minute": 57}
